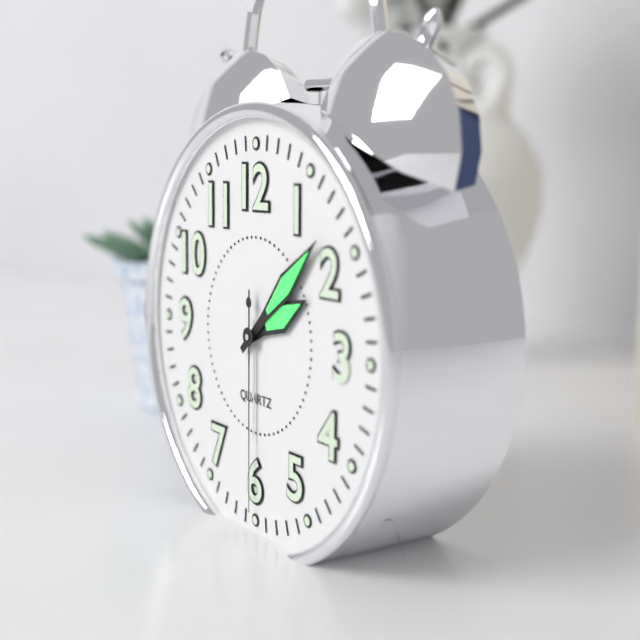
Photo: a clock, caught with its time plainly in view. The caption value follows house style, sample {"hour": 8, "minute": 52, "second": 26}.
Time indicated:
{"hour": 2, "minute": 8, "second": 30}
